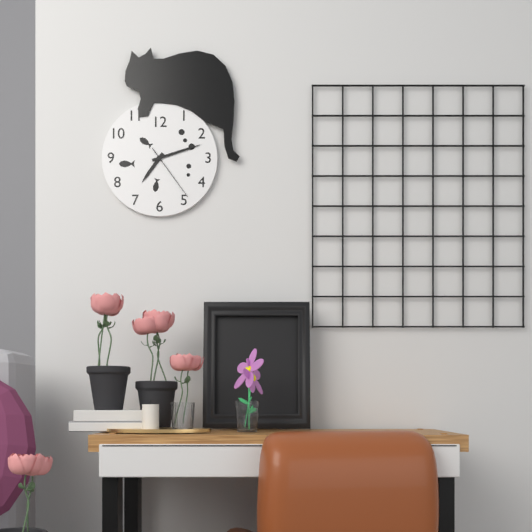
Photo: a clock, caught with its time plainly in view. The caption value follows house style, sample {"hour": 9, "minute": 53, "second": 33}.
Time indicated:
{"hour": 7, "minute": 12, "second": 24}
